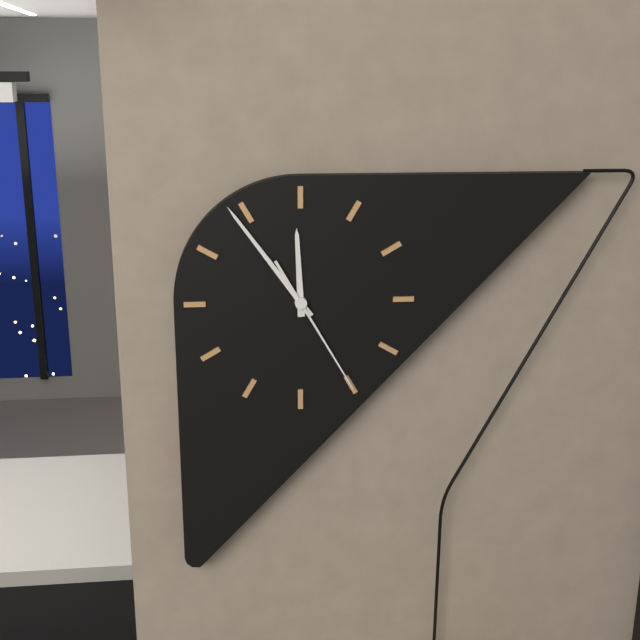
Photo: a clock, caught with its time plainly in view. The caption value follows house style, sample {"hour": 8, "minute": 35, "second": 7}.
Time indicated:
{"hour": 11, "minute": 54, "second": 25}
